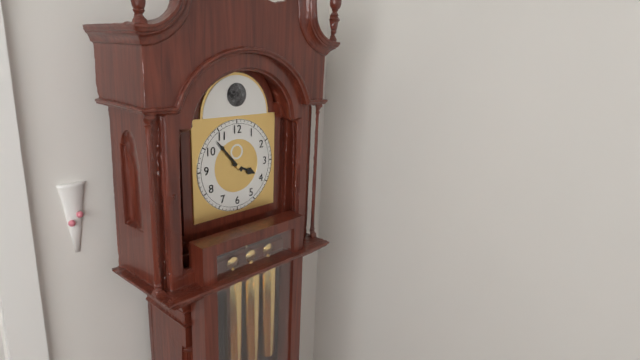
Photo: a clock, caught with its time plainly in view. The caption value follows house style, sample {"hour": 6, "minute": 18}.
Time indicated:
{"hour": 3, "minute": 53}
